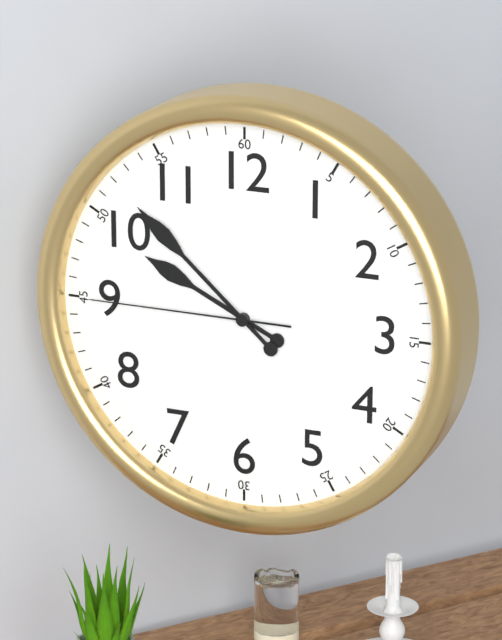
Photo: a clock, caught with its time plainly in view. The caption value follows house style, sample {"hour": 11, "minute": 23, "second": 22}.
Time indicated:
{"hour": 9, "minute": 52, "second": 45}
